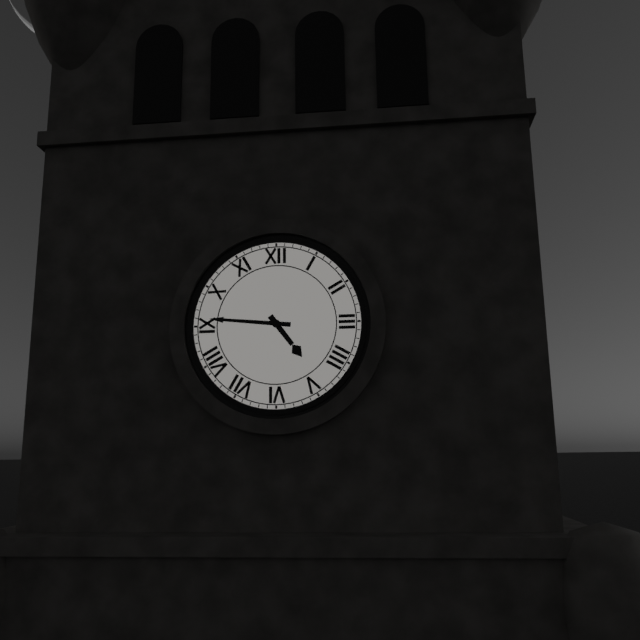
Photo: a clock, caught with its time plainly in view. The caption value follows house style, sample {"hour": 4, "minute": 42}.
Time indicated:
{"hour": 4, "minute": 46}
